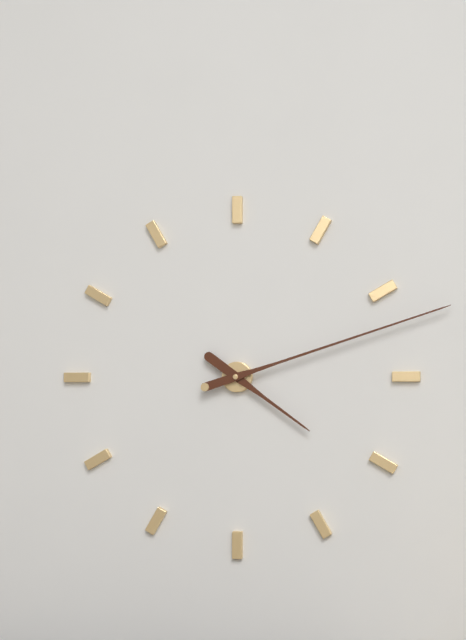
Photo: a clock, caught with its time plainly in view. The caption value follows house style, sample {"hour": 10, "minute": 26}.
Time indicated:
{"hour": 4, "minute": 12}
